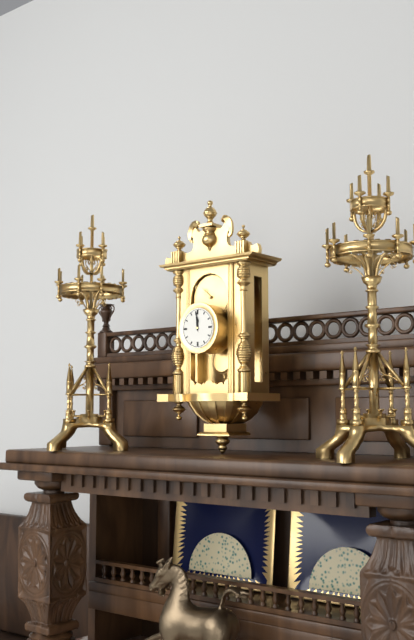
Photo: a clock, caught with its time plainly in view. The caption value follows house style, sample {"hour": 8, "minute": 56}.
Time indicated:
{"hour": 11, "minute": 59}
